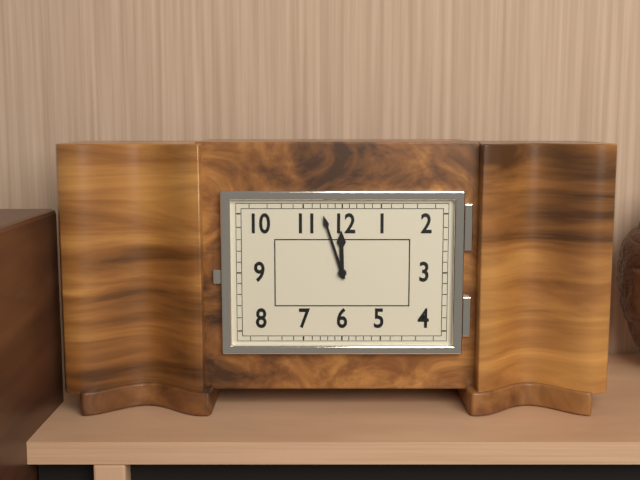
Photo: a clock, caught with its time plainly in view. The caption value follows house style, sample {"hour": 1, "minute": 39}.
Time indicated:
{"hour": 11, "minute": 57}
